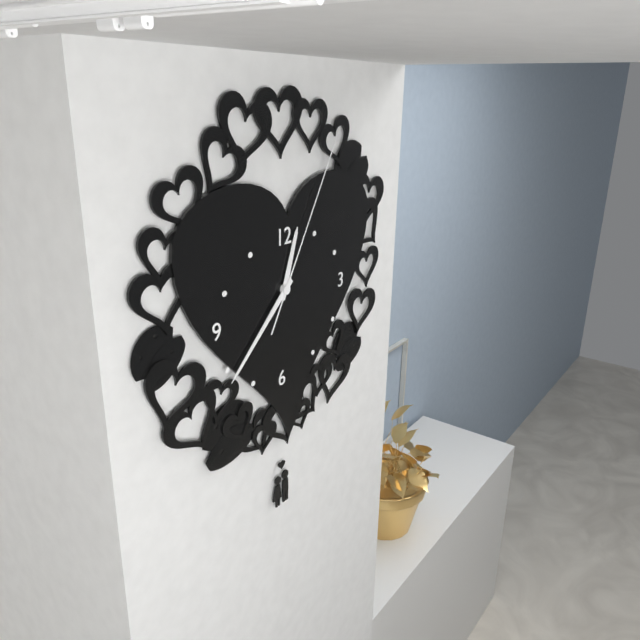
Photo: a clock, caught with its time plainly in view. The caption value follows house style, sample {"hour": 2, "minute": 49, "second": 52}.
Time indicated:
{"hour": 12, "minute": 38, "second": 5}
